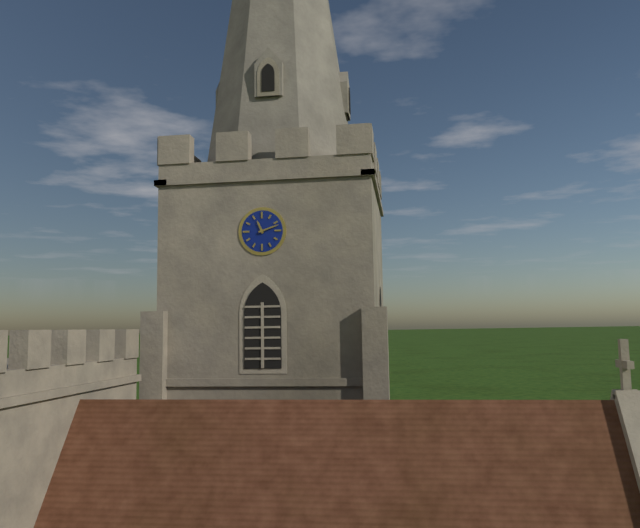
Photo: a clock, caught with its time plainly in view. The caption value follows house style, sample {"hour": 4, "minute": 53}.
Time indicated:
{"hour": 11, "minute": 12}
